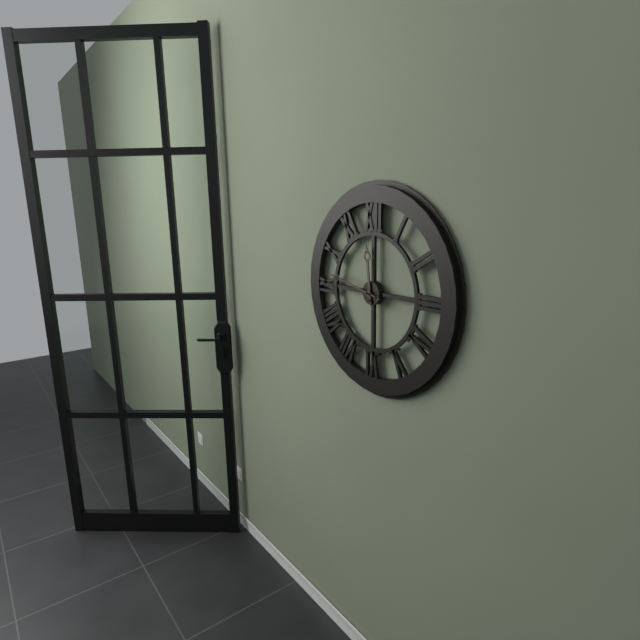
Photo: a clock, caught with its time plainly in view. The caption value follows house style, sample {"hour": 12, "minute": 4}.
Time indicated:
{"hour": 11, "minute": 47}
